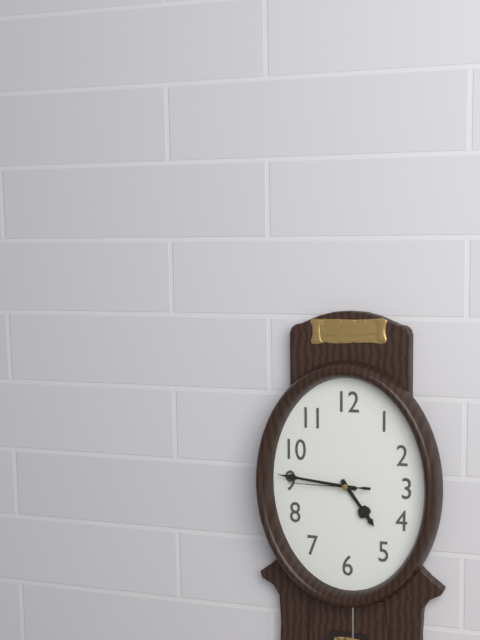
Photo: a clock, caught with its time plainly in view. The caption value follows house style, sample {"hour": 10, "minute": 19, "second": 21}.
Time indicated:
{"hour": 4, "minute": 46, "second": 45}
